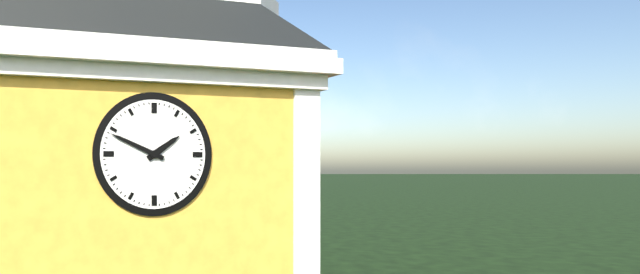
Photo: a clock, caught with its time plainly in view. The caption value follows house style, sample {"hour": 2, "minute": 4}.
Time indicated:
{"hour": 1, "minute": 49}
